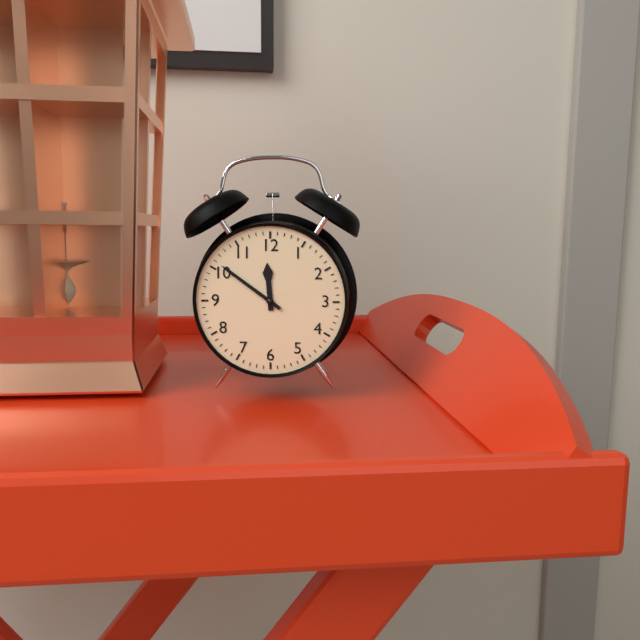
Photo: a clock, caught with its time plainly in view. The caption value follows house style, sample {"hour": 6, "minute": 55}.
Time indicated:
{"hour": 11, "minute": 51}
